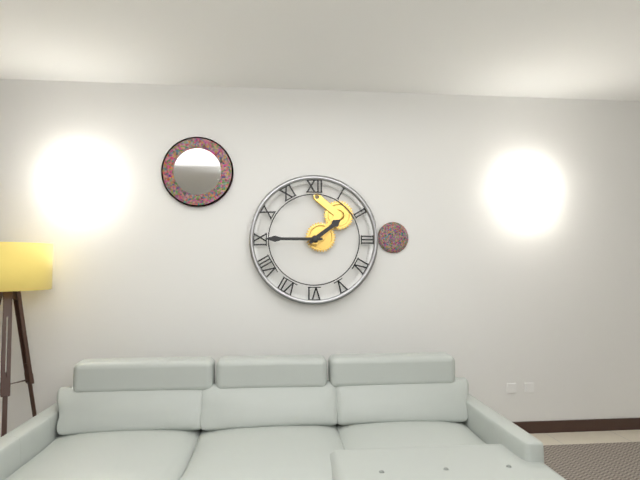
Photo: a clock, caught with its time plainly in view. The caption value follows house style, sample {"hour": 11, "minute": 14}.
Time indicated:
{"hour": 1, "minute": 45}
